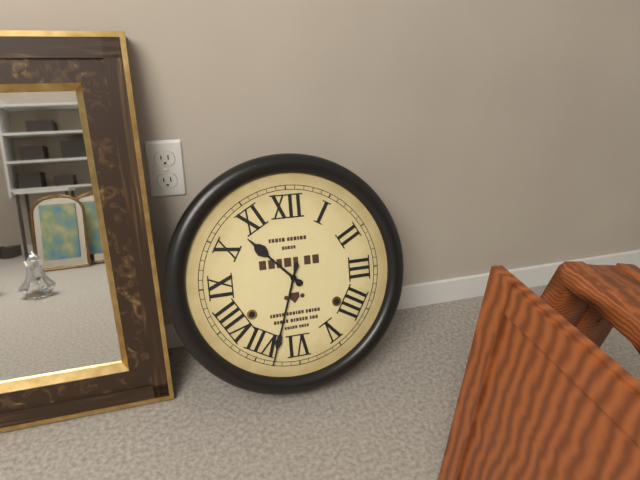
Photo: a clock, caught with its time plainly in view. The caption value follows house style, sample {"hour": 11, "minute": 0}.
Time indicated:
{"hour": 10, "minute": 33}
